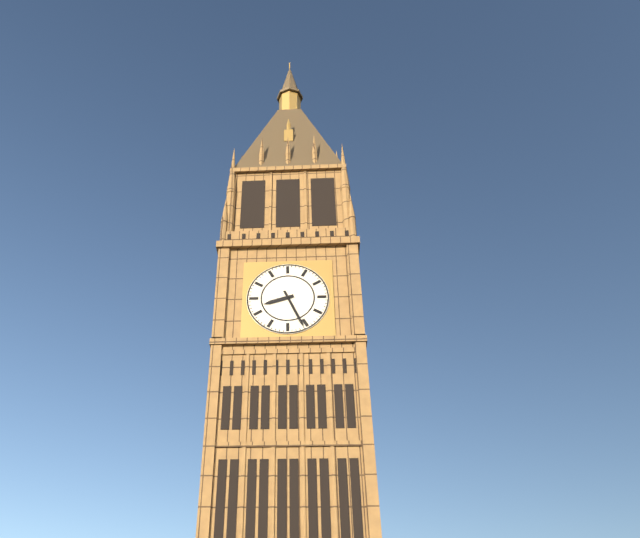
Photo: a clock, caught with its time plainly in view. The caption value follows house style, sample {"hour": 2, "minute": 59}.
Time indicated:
{"hour": 8, "minute": 26}
